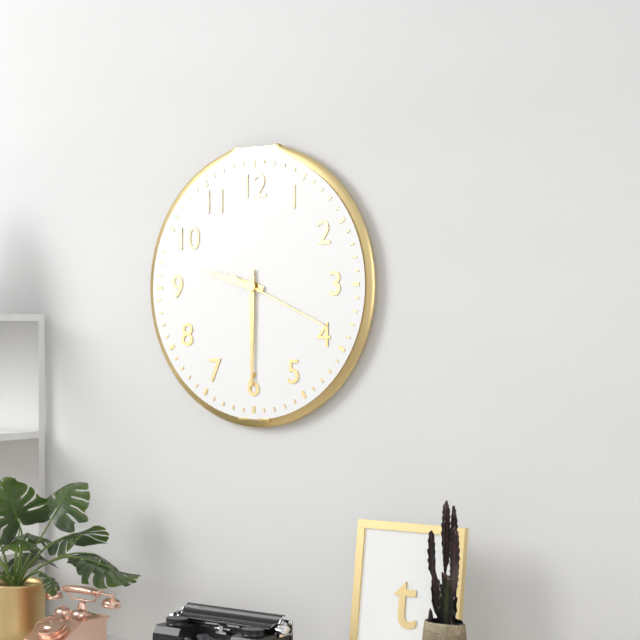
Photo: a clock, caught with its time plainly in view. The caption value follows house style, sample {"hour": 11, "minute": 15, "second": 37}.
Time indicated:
{"hour": 9, "minute": 30, "second": 19}
